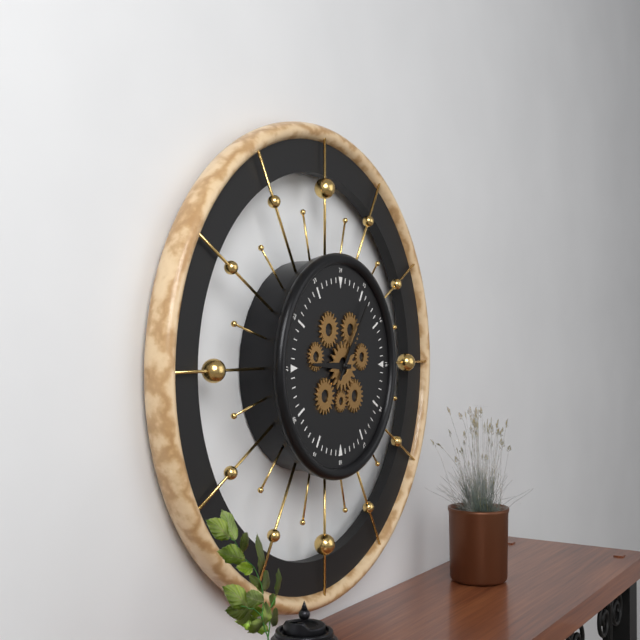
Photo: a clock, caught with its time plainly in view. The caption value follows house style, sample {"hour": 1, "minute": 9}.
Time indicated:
{"hour": 9, "minute": 6}
